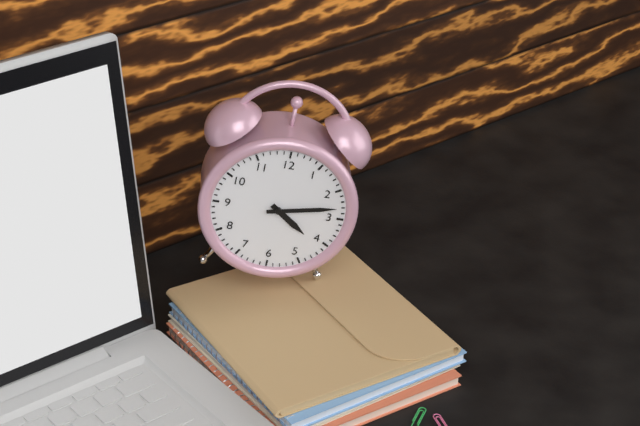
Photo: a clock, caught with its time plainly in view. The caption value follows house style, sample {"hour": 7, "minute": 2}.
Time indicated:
{"hour": 4, "minute": 13}
